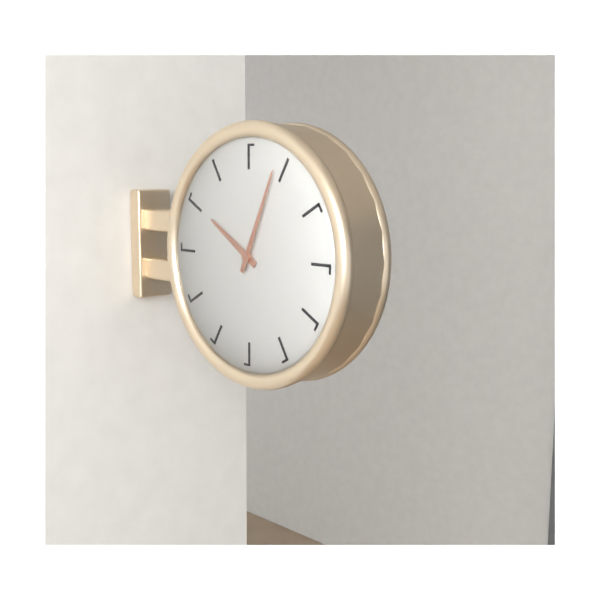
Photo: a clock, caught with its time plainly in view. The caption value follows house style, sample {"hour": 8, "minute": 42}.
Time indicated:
{"hour": 10, "minute": 4}
